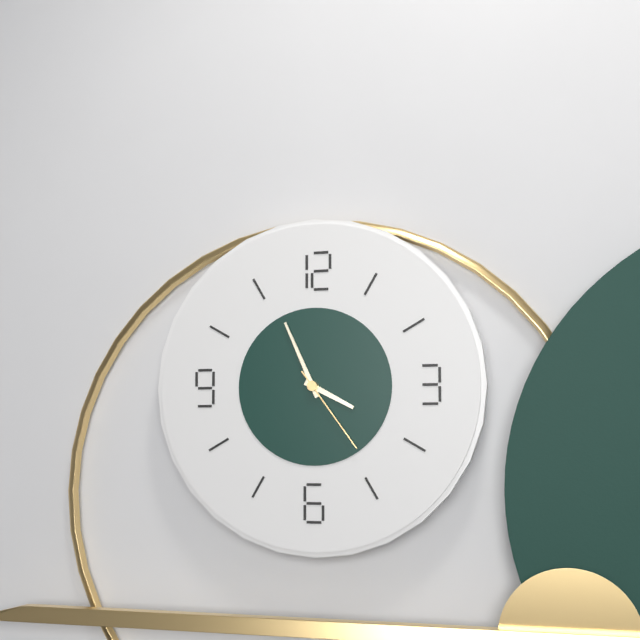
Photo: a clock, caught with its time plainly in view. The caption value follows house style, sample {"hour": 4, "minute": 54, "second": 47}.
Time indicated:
{"hour": 3, "minute": 56, "second": 24}
